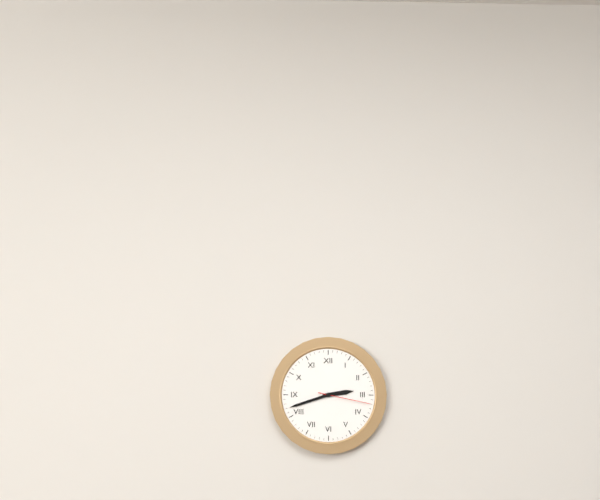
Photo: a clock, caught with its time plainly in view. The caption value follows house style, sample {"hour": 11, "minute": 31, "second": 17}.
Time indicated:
{"hour": 2, "minute": 42, "second": 17}
